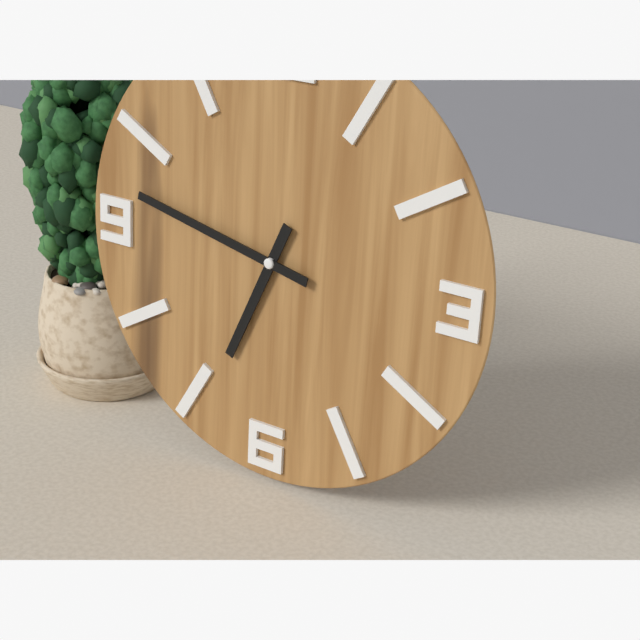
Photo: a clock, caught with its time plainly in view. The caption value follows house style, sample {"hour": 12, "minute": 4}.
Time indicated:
{"hour": 6, "minute": 47}
